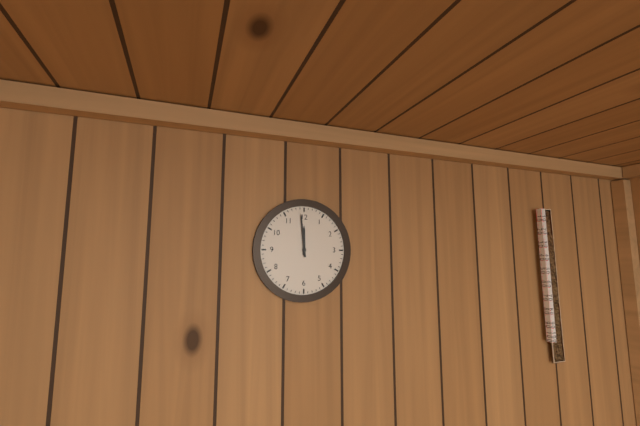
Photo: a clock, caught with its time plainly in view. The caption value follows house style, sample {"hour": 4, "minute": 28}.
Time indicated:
{"hour": 11, "minute": 59}
